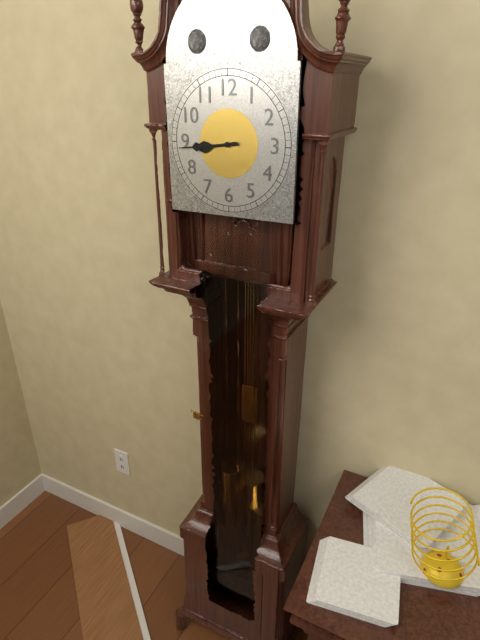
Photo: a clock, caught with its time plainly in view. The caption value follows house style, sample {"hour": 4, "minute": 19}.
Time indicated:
{"hour": 8, "minute": 44}
